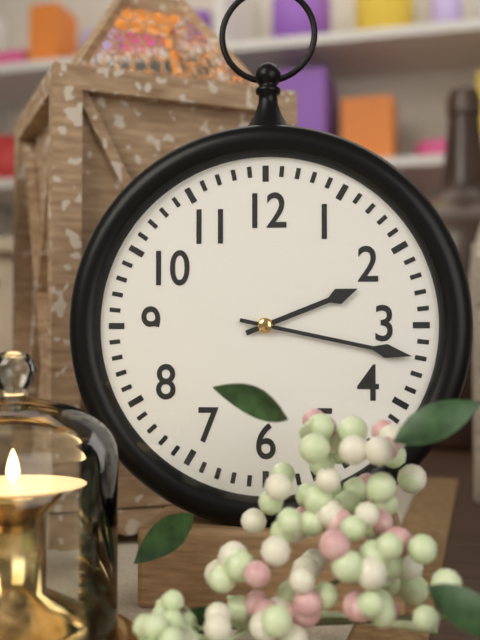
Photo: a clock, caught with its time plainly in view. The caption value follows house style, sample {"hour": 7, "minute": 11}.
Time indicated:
{"hour": 2, "minute": 17}
